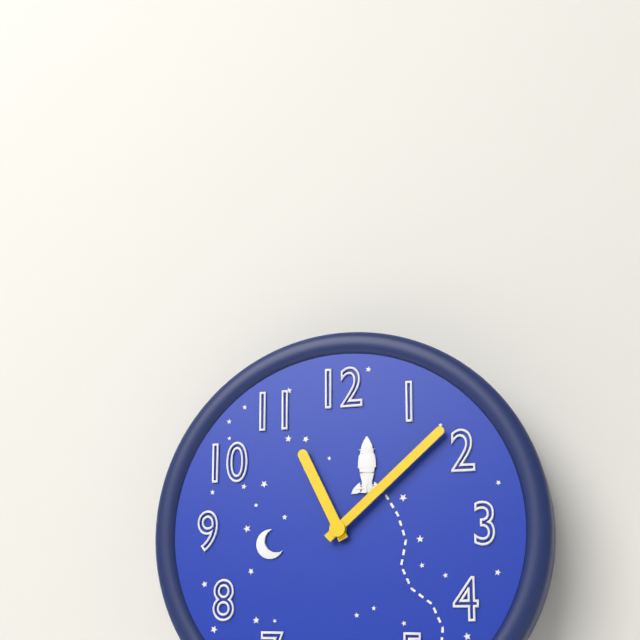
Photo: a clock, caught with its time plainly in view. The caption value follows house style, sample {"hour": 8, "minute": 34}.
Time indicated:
{"hour": 11, "minute": 8}
